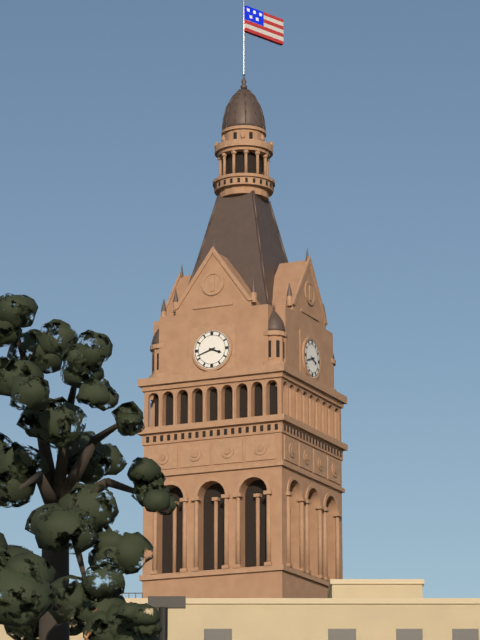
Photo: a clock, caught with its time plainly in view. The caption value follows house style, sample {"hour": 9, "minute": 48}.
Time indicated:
{"hour": 3, "minute": 42}
